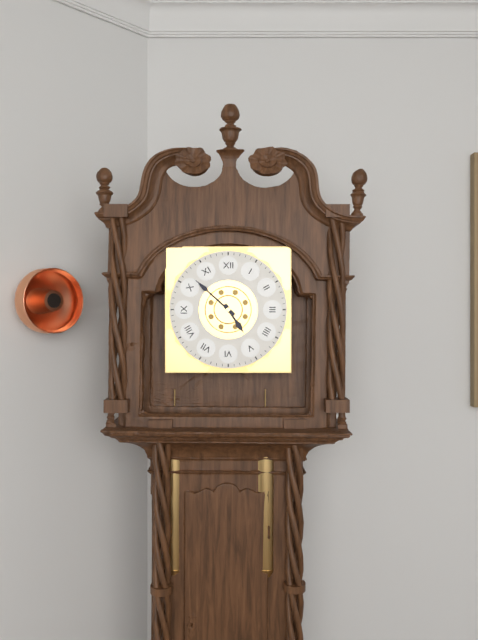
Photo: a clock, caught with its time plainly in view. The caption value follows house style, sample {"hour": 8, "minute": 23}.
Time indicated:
{"hour": 4, "minute": 52}
